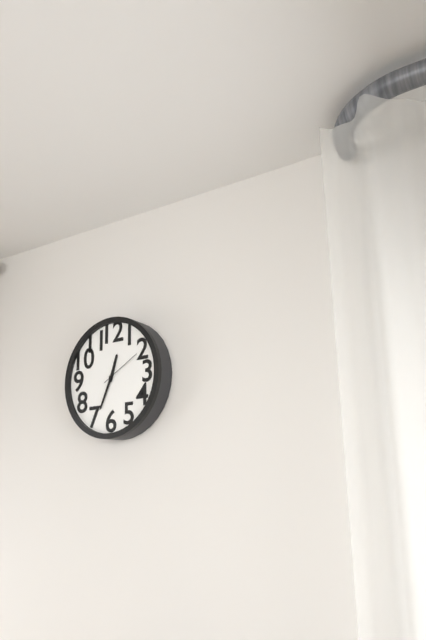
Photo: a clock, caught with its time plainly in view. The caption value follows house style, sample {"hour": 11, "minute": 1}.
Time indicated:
{"hour": 12, "minute": 34}
